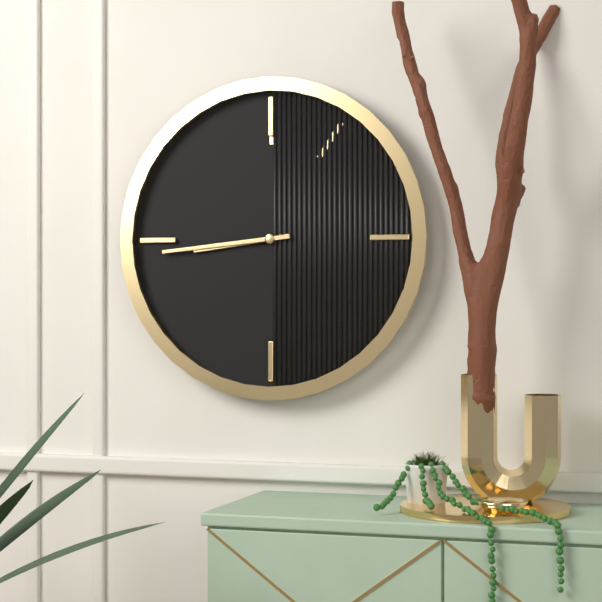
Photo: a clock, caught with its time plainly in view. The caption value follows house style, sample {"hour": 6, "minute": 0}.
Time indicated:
{"hour": 8, "minute": 44}
